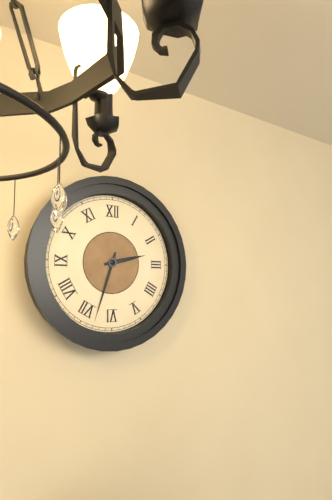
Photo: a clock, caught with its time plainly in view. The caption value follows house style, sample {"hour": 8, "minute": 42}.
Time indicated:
{"hour": 2, "minute": 33}
